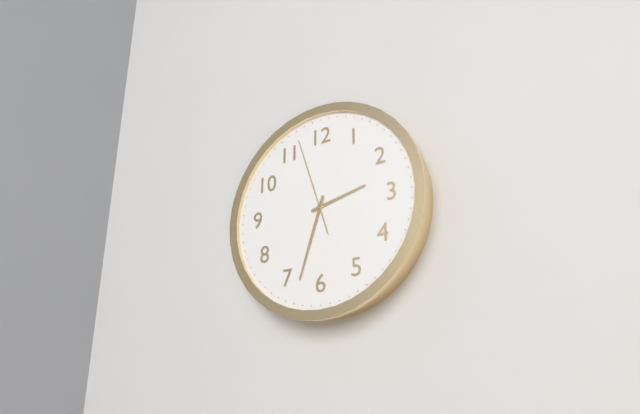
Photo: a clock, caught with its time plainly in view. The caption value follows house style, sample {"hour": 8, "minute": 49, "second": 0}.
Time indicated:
{"hour": 2, "minute": 33, "second": 57}
